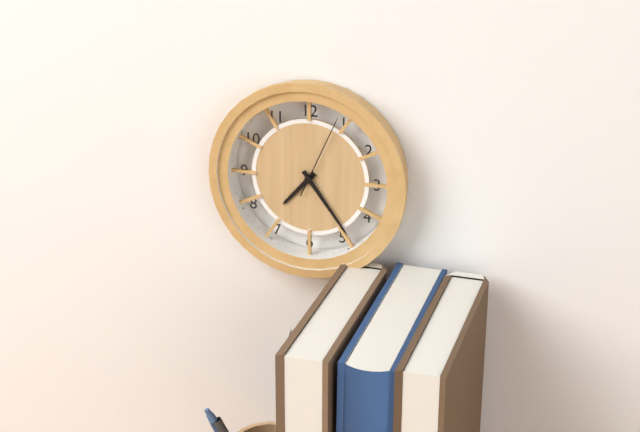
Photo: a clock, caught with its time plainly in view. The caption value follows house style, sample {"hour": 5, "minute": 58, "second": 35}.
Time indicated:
{"hour": 7, "minute": 24, "second": 4}
